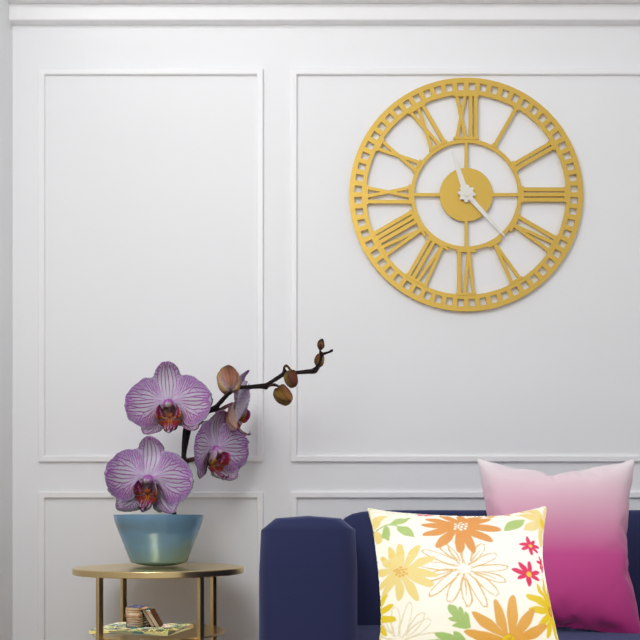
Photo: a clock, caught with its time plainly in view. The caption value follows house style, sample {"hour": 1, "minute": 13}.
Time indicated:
{"hour": 11, "minute": 23}
